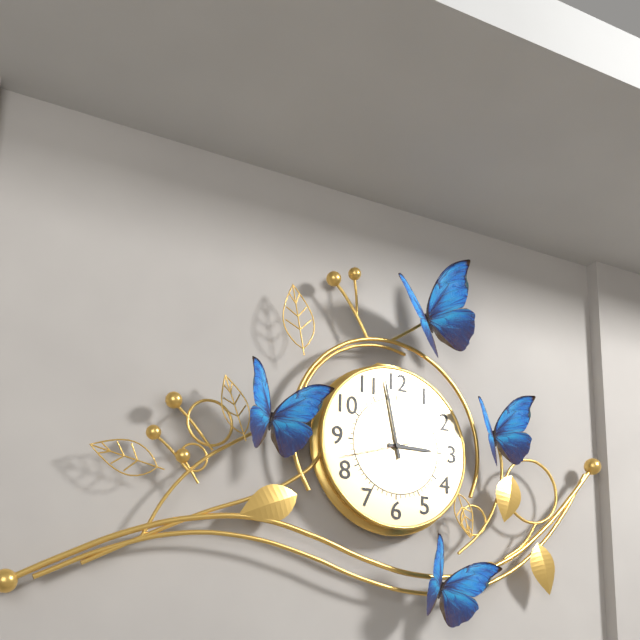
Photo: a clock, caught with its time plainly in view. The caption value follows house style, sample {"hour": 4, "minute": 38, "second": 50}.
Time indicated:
{"hour": 2, "minute": 58, "second": 42}
